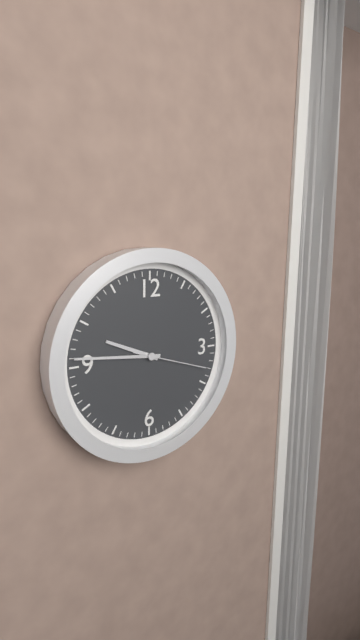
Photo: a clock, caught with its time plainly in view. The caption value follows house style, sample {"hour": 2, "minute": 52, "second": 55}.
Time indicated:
{"hour": 9, "minute": 46, "second": 18}
